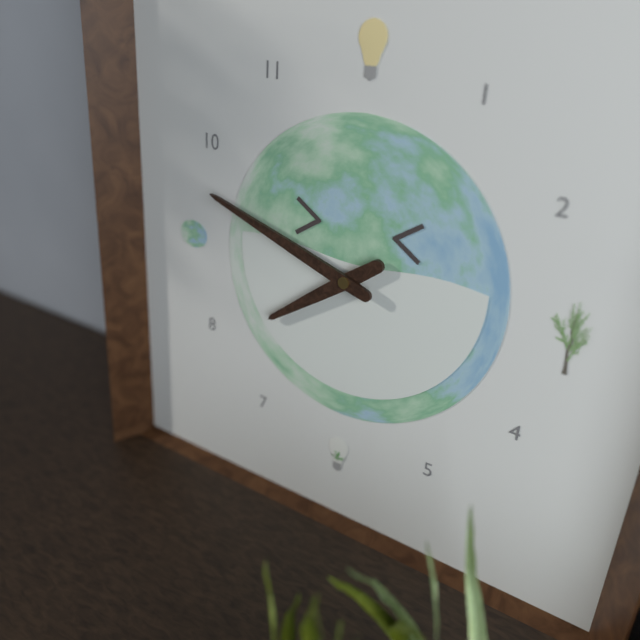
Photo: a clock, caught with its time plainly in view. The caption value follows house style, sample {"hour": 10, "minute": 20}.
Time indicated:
{"hour": 7, "minute": 48}
